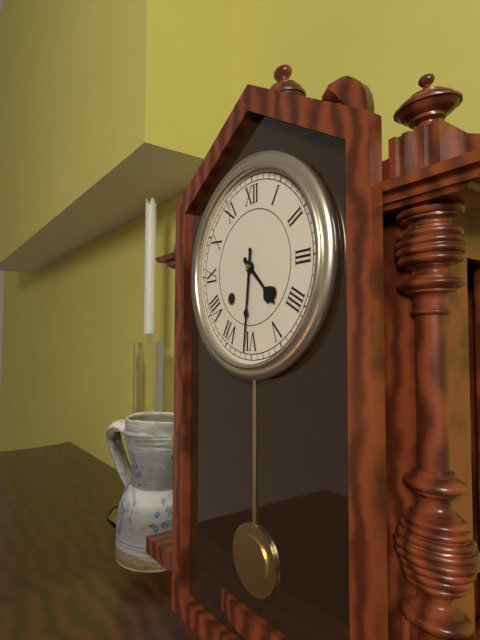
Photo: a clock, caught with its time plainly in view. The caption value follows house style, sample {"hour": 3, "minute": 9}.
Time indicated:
{"hour": 4, "minute": 31}
